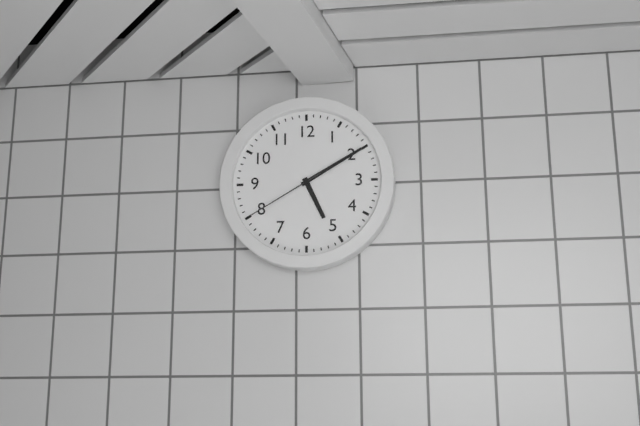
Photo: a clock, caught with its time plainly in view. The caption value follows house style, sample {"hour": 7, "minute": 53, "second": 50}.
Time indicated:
{"hour": 5, "minute": 10, "second": 40}
